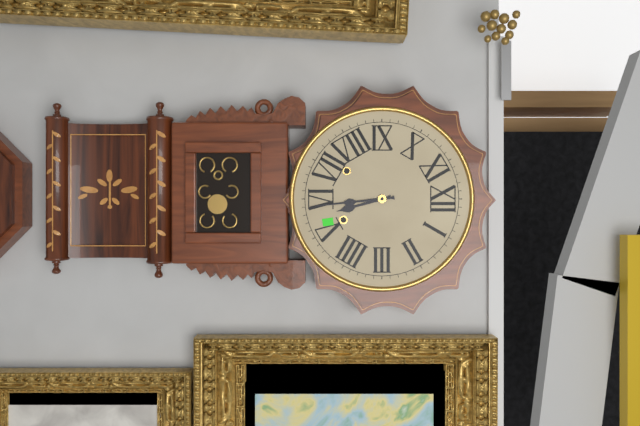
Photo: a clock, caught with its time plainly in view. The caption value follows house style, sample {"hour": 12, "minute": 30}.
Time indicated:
{"hour": 5, "minute": 29}
